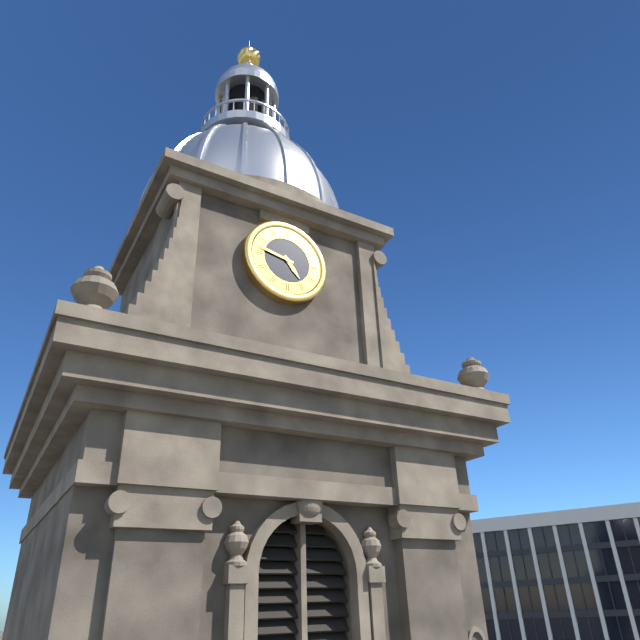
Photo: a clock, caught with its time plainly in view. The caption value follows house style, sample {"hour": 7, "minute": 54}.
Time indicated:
{"hour": 4, "minute": 47}
